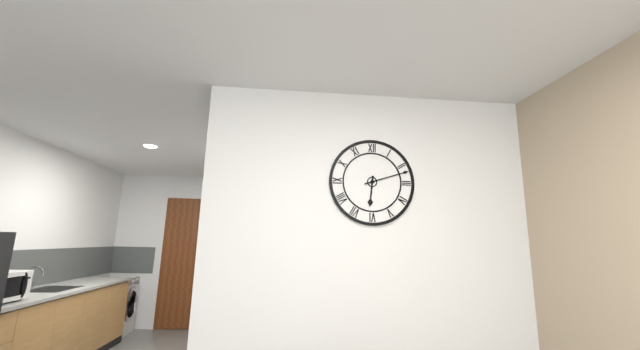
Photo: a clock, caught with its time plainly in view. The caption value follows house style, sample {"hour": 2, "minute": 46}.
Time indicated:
{"hour": 6, "minute": 12}
